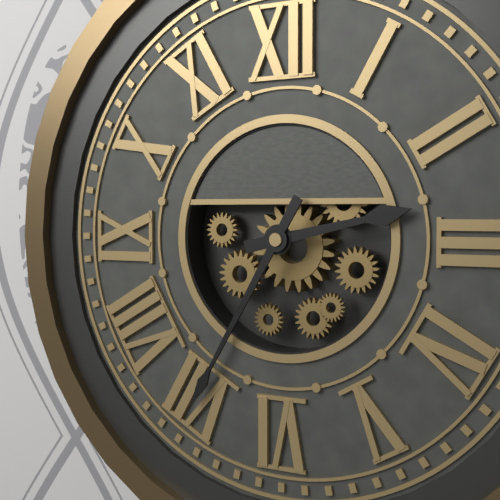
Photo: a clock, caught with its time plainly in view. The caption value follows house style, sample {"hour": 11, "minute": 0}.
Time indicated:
{"hour": 2, "minute": 35}
